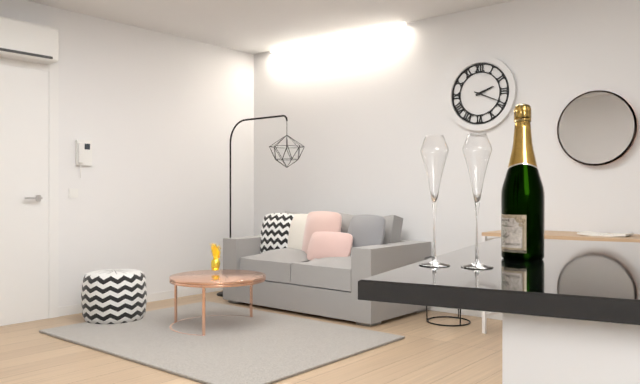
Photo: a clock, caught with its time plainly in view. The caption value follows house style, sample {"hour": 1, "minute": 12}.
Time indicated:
{"hour": 2, "minute": 19}
